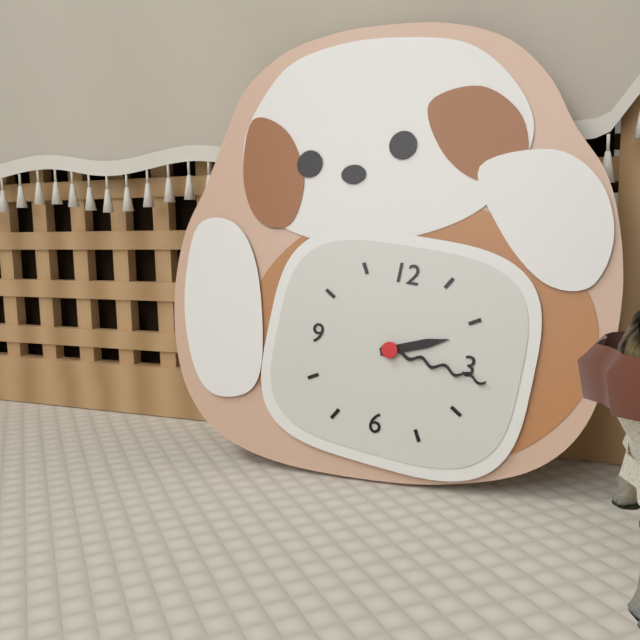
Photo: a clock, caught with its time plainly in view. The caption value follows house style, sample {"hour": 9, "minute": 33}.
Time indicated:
{"hour": 2, "minute": 16}
